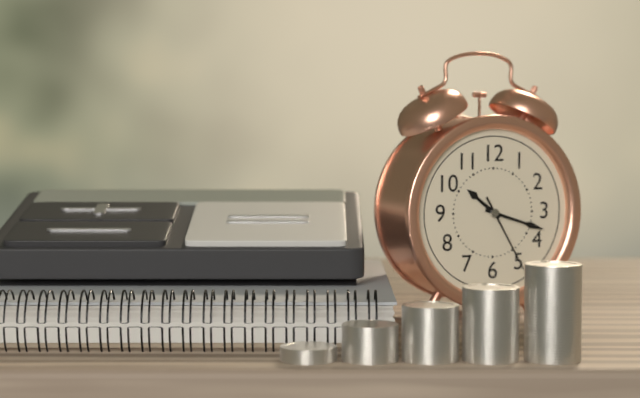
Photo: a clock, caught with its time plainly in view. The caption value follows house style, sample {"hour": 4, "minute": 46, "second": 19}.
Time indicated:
{"hour": 10, "minute": 18, "second": 25}
